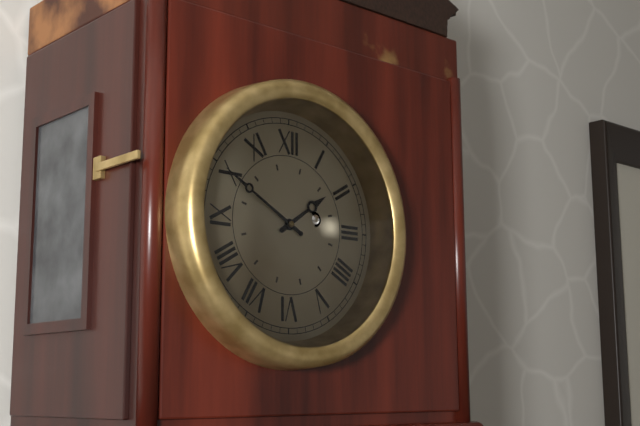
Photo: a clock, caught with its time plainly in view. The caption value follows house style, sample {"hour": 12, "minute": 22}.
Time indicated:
{"hour": 1, "minute": 50}
